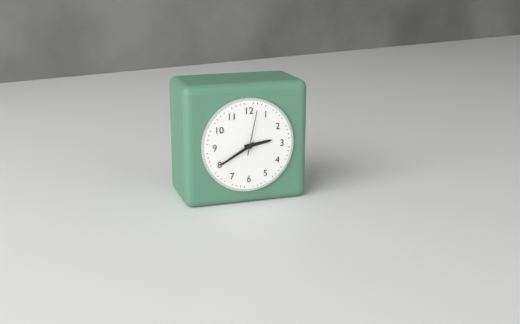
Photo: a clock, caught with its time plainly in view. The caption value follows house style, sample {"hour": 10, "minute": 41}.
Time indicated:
{"hour": 2, "minute": 40}
